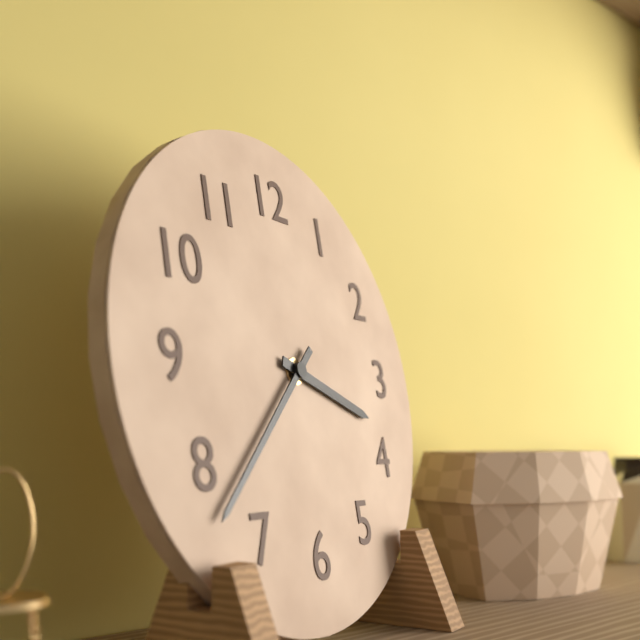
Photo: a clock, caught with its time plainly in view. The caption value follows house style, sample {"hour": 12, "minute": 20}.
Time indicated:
{"hour": 3, "minute": 38}
